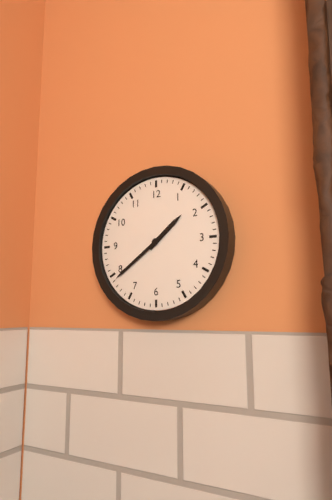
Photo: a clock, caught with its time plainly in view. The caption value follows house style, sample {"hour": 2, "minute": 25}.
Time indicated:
{"hour": 1, "minute": 39}
